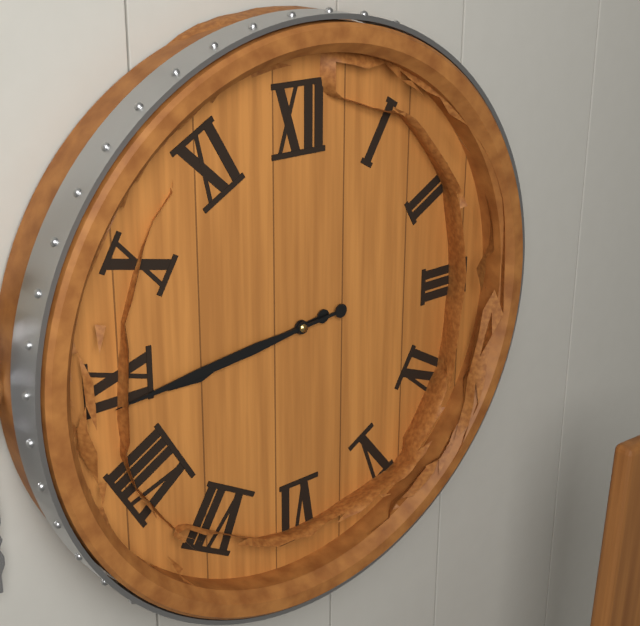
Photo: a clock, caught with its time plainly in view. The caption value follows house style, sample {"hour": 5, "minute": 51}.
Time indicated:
{"hour": 8, "minute": 44}
